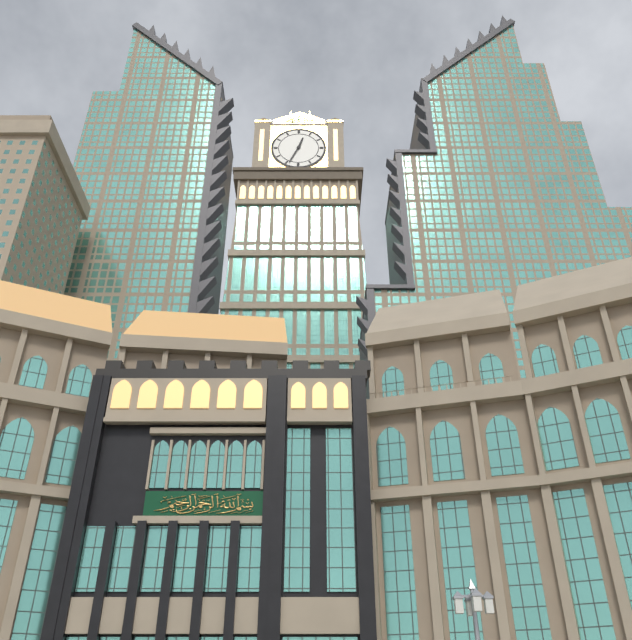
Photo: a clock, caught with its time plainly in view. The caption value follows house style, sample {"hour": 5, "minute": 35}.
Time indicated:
{"hour": 12, "minute": 34}
